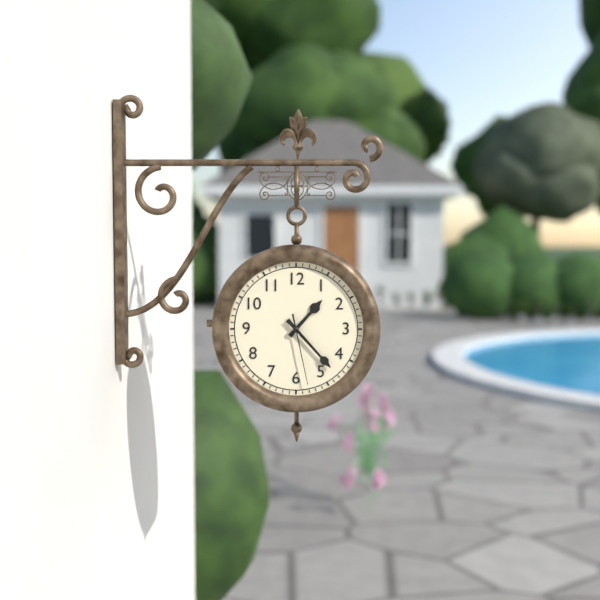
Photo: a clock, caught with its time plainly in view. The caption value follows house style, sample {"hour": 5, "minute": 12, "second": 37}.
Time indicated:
{"hour": 1, "minute": 23, "second": 28}
